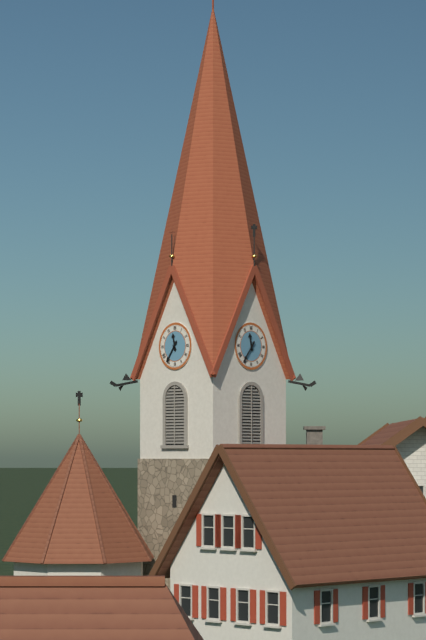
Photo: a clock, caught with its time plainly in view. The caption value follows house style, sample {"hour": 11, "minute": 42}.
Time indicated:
{"hour": 11, "minute": 36}
